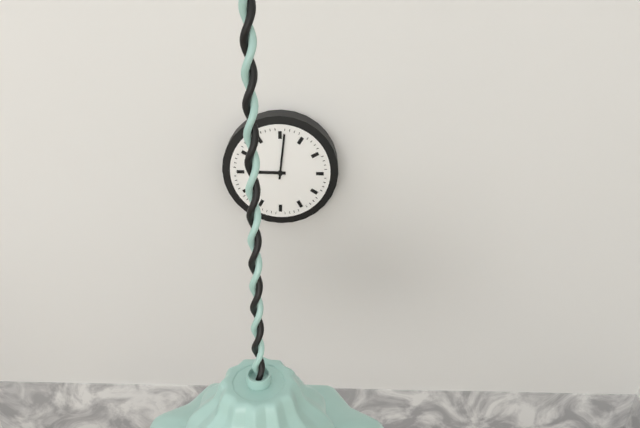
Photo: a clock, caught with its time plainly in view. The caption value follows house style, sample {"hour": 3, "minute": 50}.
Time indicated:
{"hour": 9, "minute": 1}
